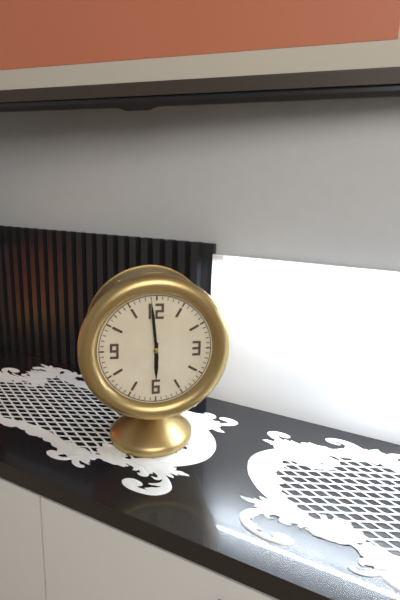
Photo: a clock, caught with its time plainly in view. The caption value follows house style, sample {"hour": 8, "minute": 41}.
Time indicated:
{"hour": 5, "minute": 59}
